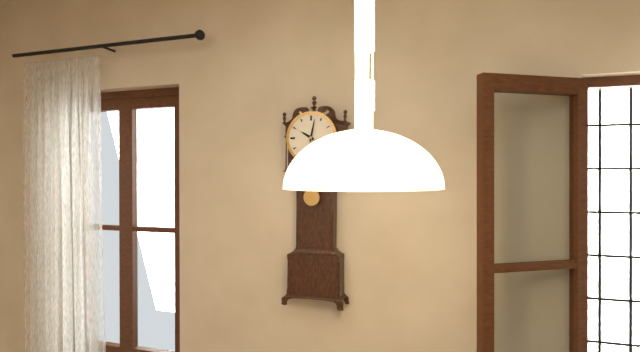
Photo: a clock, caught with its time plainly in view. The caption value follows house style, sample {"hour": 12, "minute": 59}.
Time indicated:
{"hour": 10, "minute": 2}
